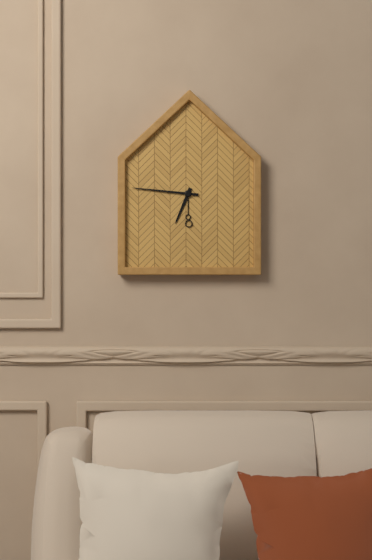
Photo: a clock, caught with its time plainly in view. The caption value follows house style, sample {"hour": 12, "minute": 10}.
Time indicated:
{"hour": 6, "minute": 46}
